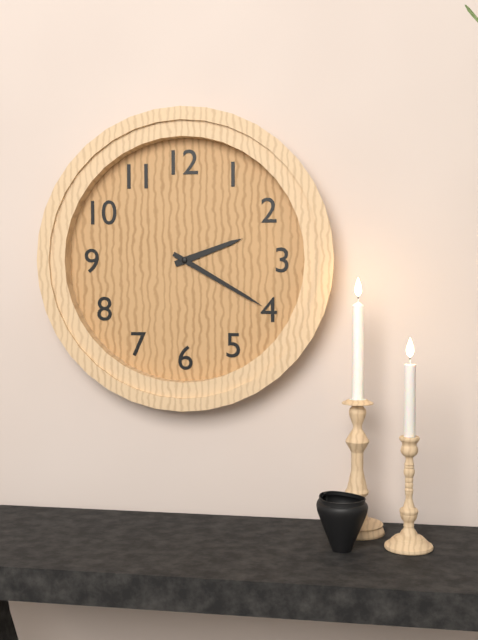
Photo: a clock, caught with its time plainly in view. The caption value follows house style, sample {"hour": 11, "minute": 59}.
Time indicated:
{"hour": 2, "minute": 20}
